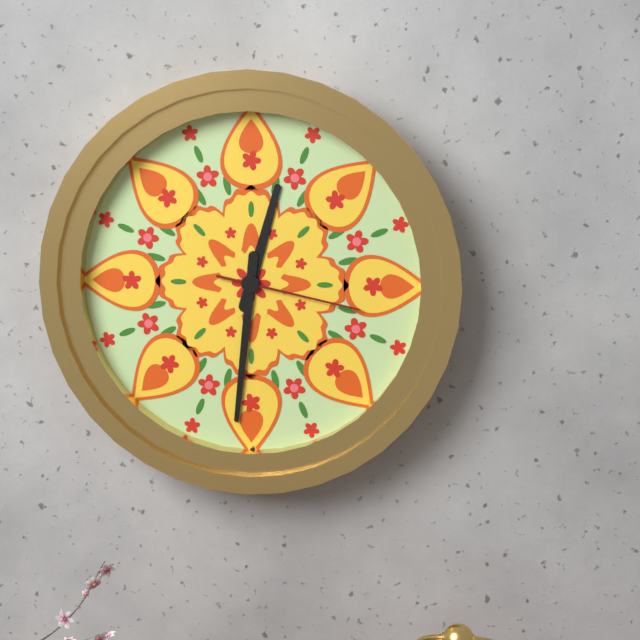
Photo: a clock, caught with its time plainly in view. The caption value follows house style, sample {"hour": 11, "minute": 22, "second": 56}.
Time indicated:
{"hour": 12, "minute": 31, "second": 17}
